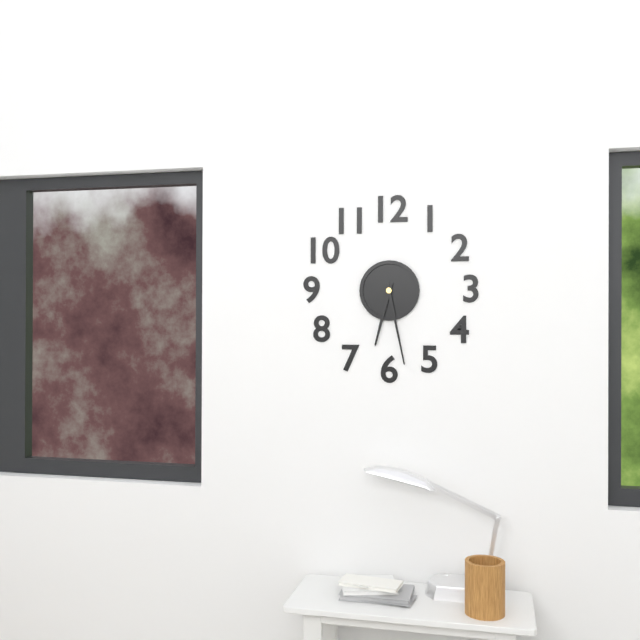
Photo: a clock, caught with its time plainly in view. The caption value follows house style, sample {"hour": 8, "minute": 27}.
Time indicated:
{"hour": 6, "minute": 28}
